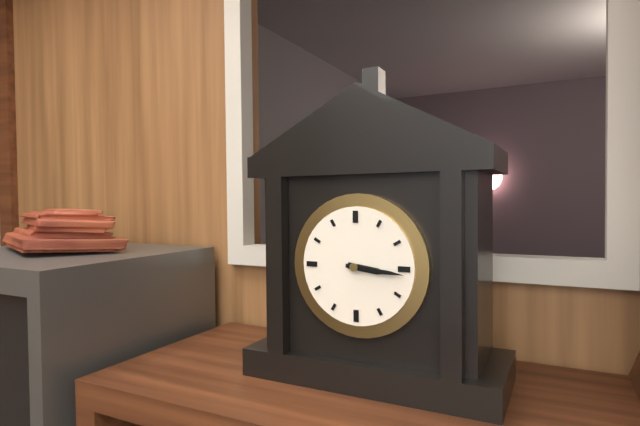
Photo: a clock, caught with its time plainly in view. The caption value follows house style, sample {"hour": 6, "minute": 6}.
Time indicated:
{"hour": 3, "minute": 16}
